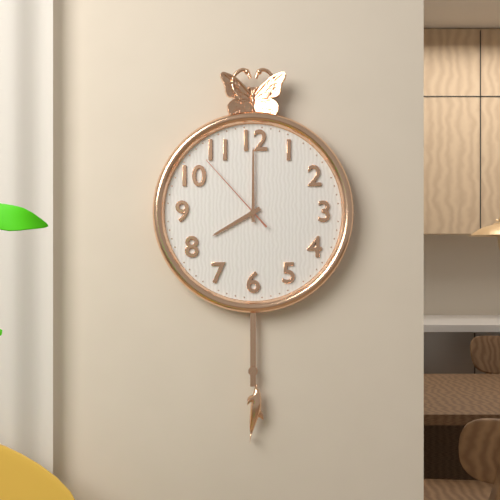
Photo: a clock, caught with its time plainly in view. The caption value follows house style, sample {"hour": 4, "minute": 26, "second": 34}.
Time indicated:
{"hour": 8, "minute": 0, "second": 53}
